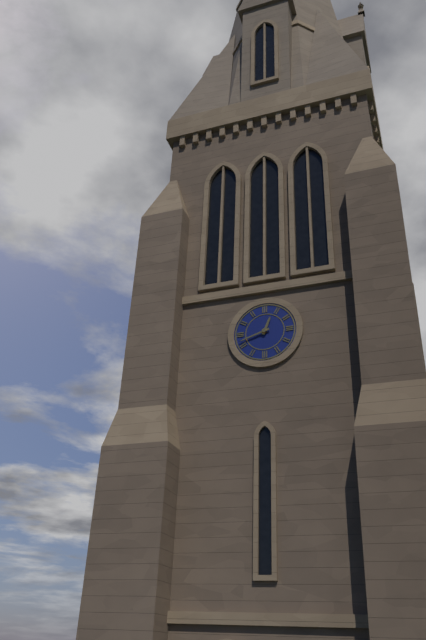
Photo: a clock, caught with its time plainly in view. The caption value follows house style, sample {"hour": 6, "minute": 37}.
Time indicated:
{"hour": 12, "minute": 42}
